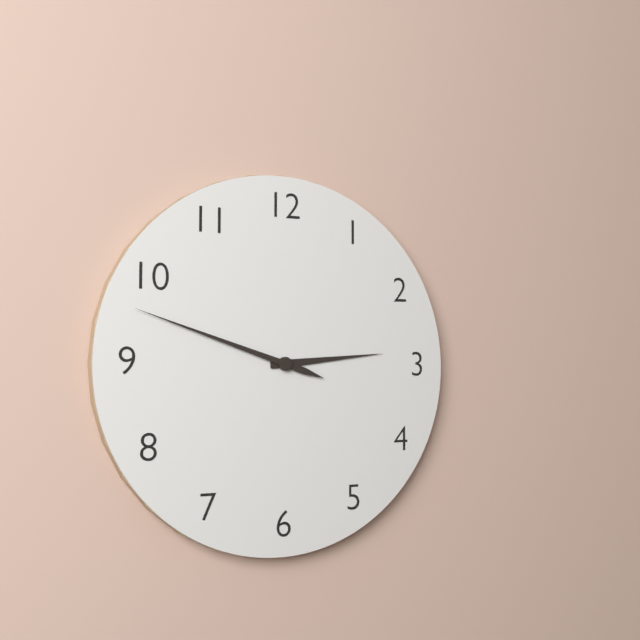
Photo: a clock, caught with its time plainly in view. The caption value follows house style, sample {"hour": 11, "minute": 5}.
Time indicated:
{"hour": 2, "minute": 48}
